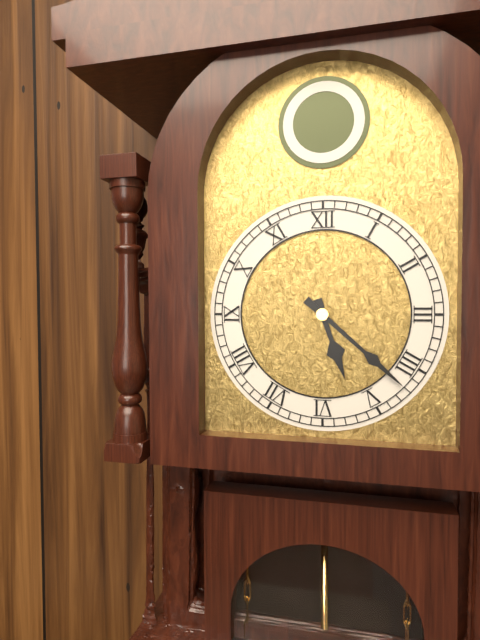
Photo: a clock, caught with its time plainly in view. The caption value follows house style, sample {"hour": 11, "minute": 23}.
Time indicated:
{"hour": 5, "minute": 22}
